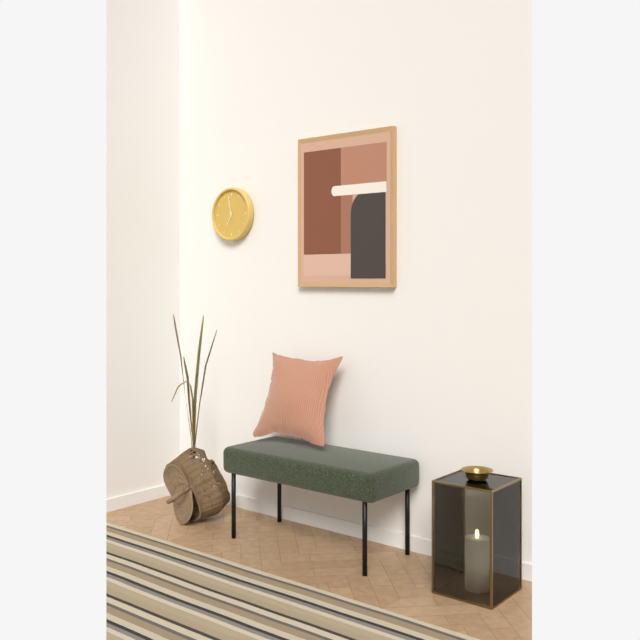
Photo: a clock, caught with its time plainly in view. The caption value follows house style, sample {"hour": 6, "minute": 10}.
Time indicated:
{"hour": 6, "minute": 58}
